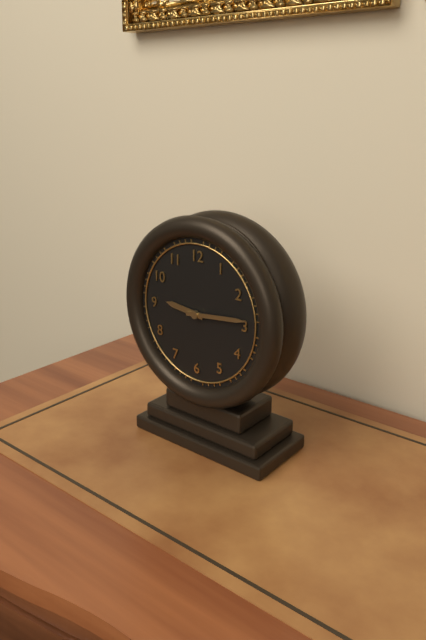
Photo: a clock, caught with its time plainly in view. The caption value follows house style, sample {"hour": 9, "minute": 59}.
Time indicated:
{"hour": 9, "minute": 14}
